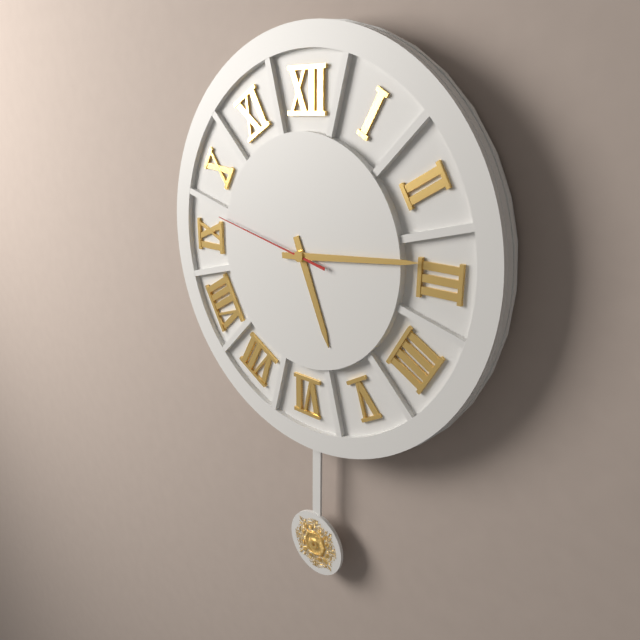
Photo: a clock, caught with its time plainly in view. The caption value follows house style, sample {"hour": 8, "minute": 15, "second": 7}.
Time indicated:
{"hour": 5, "minute": 14, "second": 47}
